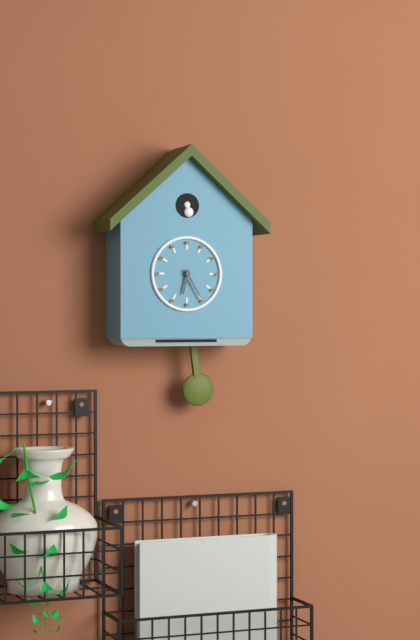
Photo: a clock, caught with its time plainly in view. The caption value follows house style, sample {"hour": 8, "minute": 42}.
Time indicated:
{"hour": 6, "minute": 25}
